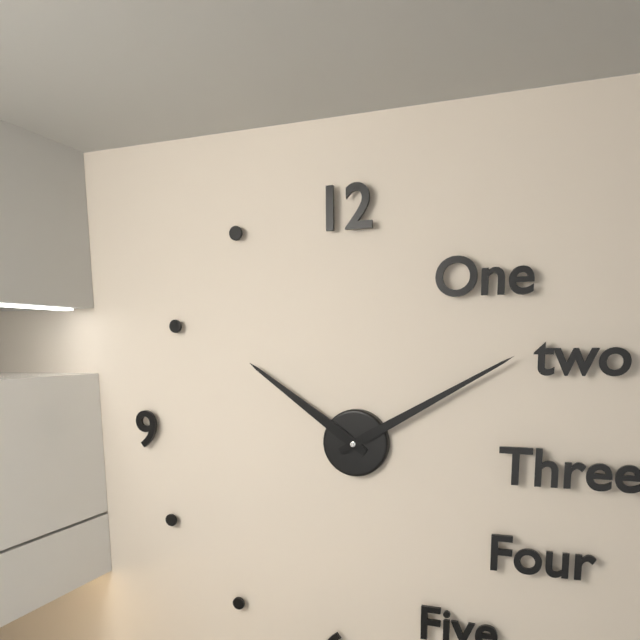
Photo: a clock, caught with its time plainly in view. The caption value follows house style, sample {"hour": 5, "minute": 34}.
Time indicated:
{"hour": 10, "minute": 10}
